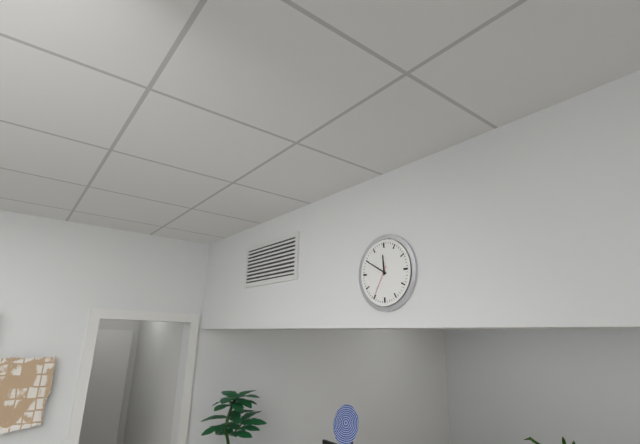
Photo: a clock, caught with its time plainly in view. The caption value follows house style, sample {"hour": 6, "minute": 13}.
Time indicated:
{"hour": 11, "minute": 50}
